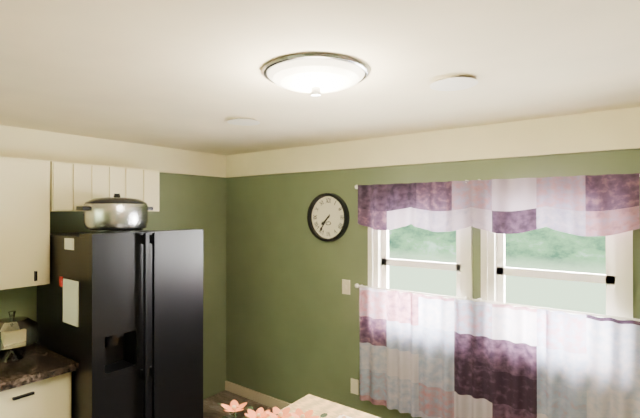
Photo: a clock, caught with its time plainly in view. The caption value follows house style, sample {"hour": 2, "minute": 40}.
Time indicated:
{"hour": 7, "minute": 36}
